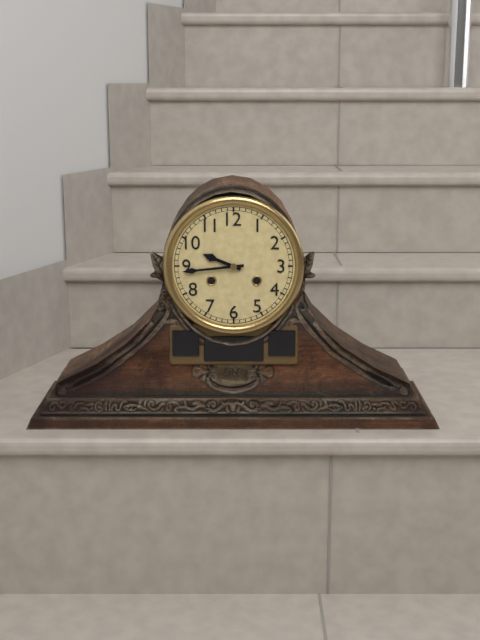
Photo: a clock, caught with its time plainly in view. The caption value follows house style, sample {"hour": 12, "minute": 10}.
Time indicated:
{"hour": 9, "minute": 44}
